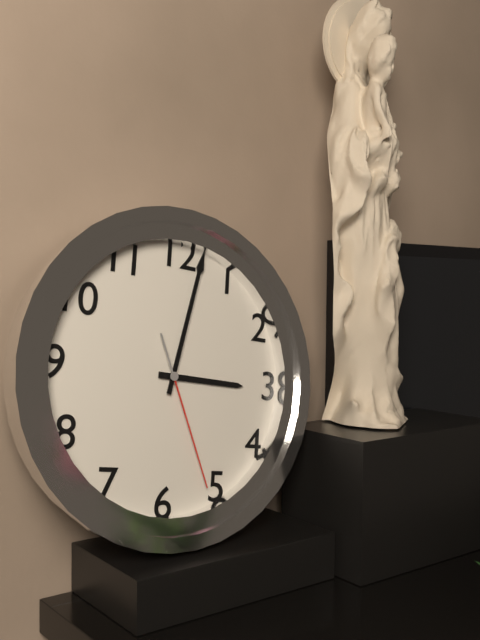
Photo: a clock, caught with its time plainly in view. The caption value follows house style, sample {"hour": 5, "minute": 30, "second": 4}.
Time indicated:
{"hour": 3, "minute": 2, "second": 26}
